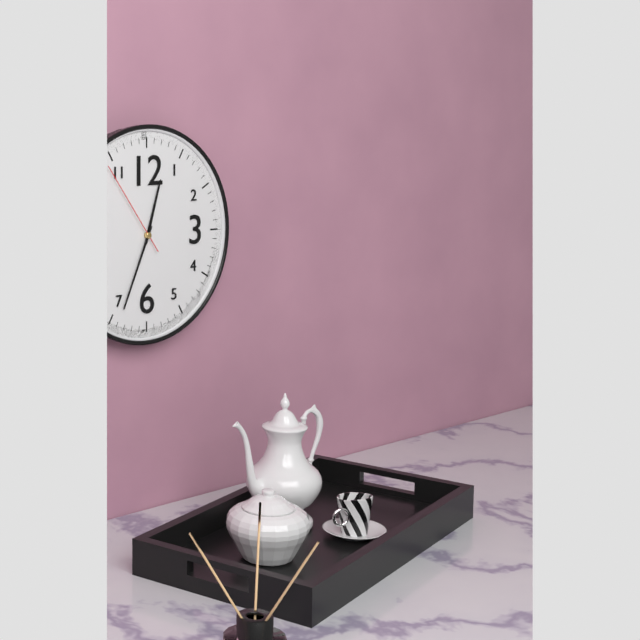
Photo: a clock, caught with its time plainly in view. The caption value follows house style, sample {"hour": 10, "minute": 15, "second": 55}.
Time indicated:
{"hour": 12, "minute": 34, "second": 54}
